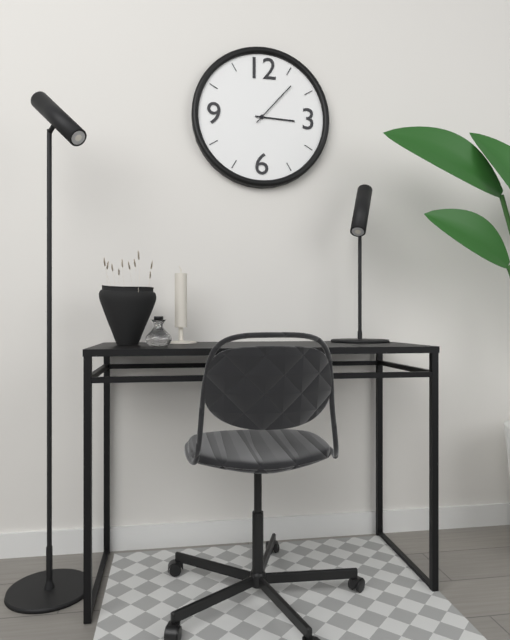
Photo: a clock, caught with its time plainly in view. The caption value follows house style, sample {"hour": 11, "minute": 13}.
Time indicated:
{"hour": 3, "minute": 7}
